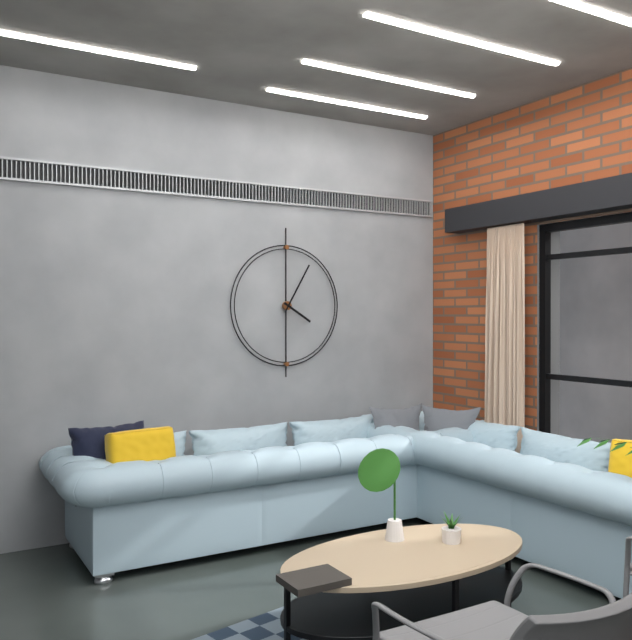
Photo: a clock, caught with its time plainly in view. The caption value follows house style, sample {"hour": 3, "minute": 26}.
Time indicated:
{"hour": 4, "minute": 5}
